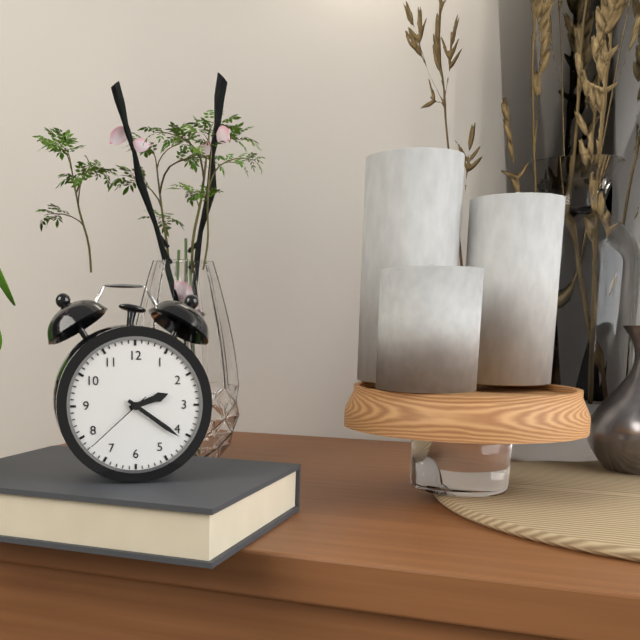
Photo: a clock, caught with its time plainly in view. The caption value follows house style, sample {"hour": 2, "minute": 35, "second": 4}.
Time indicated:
{"hour": 2, "minute": 21, "second": 38}
